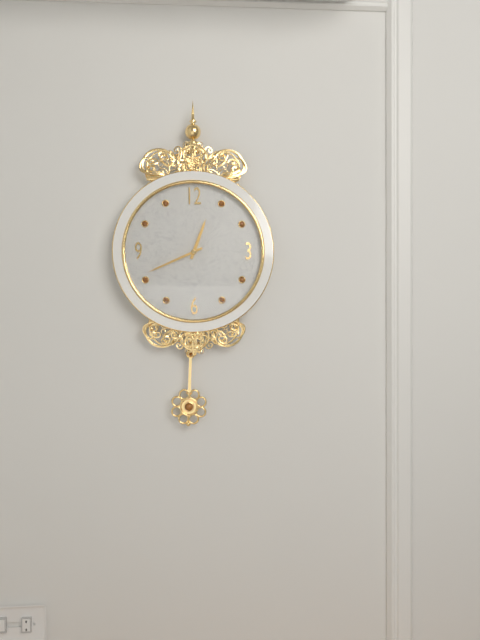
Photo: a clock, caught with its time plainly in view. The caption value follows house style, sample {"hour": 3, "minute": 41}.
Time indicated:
{"hour": 12, "minute": 41}
